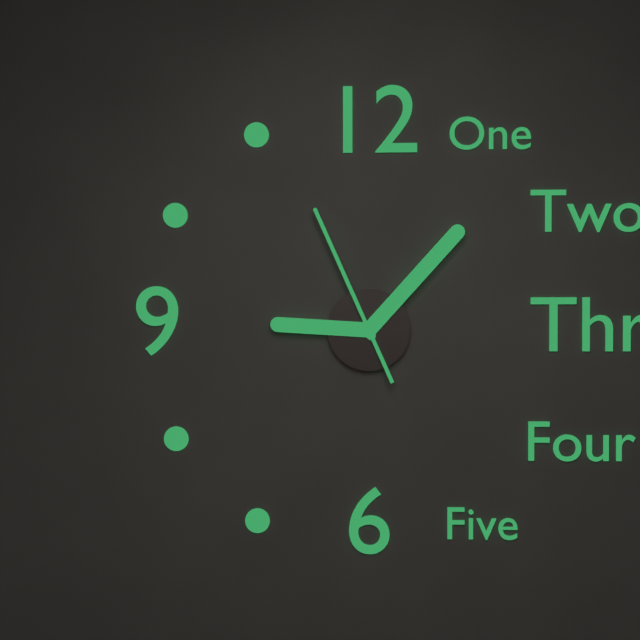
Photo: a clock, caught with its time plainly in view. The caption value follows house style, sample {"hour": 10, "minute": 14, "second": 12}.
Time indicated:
{"hour": 9, "minute": 7, "second": 56}
